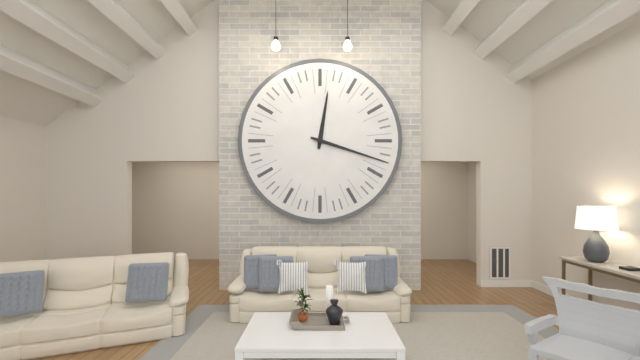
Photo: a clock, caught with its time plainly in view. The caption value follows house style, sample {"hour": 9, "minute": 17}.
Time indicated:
{"hour": 12, "minute": 18}
